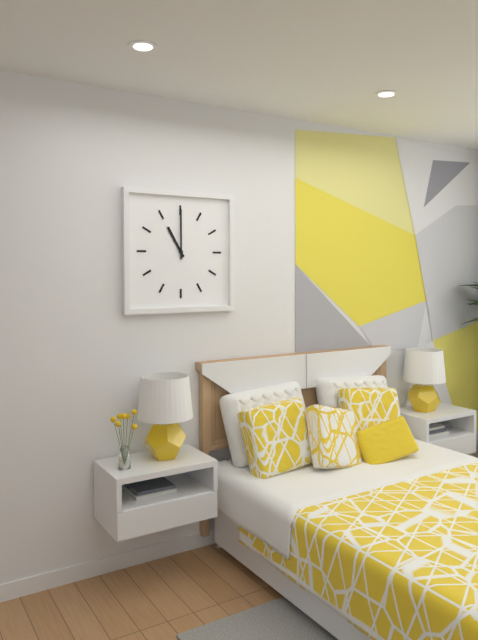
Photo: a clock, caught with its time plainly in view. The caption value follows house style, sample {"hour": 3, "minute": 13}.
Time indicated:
{"hour": 11, "minute": 0}
